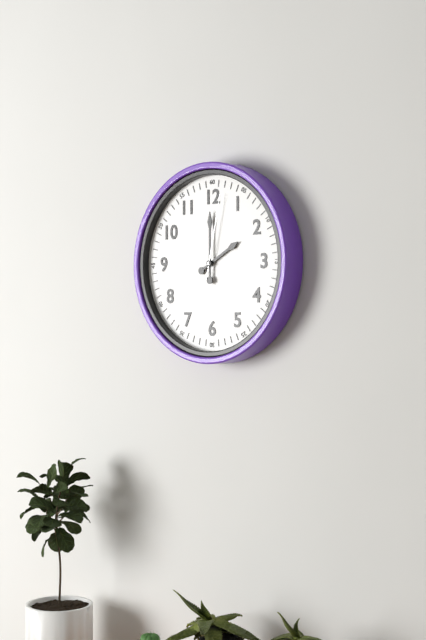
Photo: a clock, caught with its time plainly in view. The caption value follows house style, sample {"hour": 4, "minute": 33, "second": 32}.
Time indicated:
{"hour": 2, "minute": 0, "second": 2}
